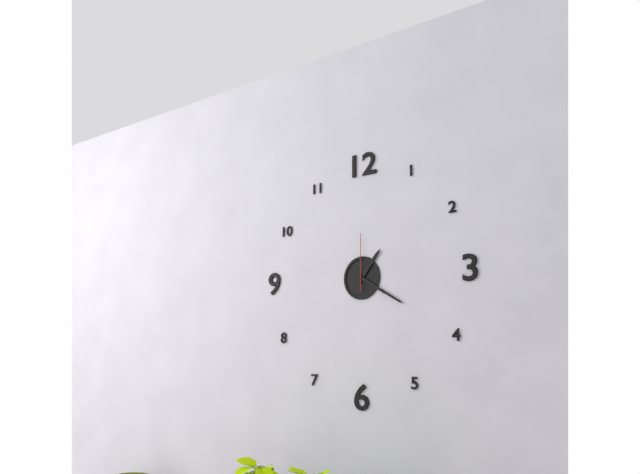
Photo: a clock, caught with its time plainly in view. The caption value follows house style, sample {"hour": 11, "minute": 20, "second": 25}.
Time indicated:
{"hour": 1, "minute": 20, "second": 0}
